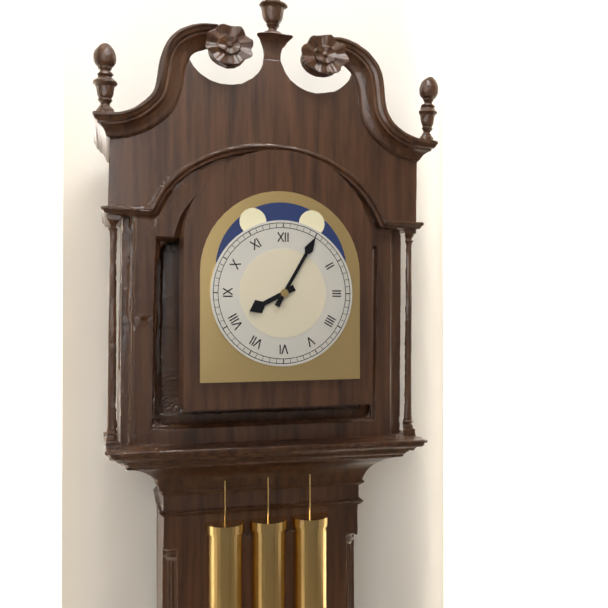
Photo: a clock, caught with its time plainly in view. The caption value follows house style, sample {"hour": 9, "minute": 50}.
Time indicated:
{"hour": 8, "minute": 5}
